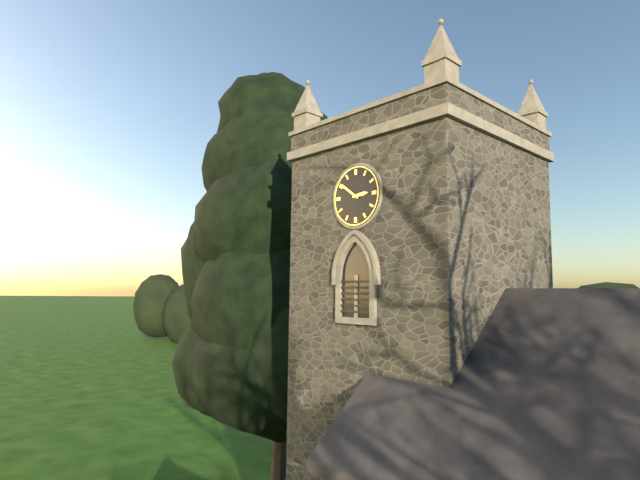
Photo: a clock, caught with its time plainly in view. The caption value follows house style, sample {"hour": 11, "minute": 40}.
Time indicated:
{"hour": 2, "minute": 51}
